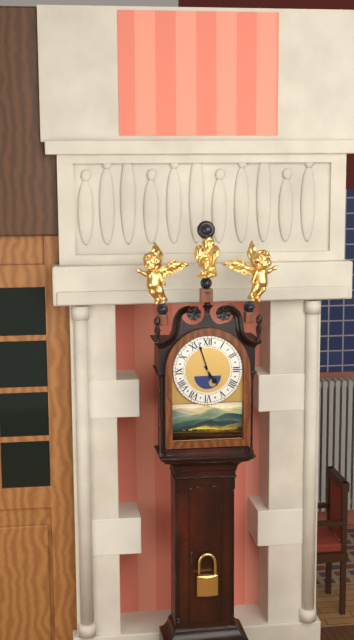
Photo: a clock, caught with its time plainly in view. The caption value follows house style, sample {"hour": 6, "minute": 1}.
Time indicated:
{"hour": 4, "minute": 57}
